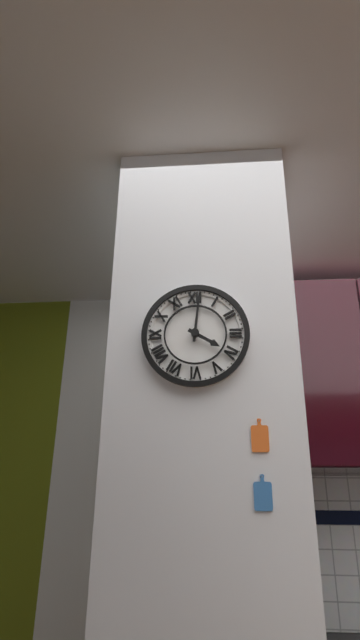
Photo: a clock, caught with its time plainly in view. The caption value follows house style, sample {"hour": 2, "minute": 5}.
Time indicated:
{"hour": 4, "minute": 1}
